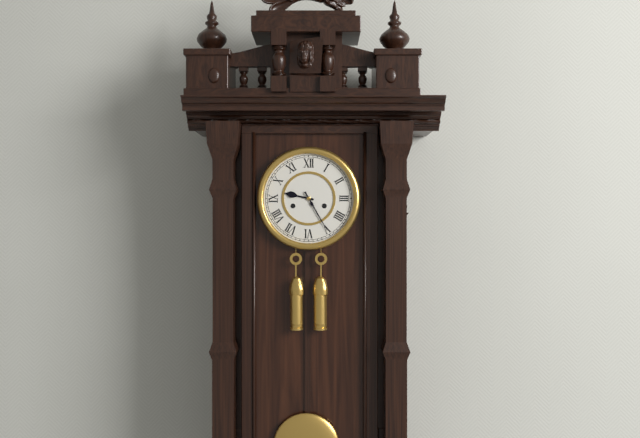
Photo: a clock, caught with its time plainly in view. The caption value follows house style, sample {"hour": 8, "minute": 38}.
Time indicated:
{"hour": 9, "minute": 25}
